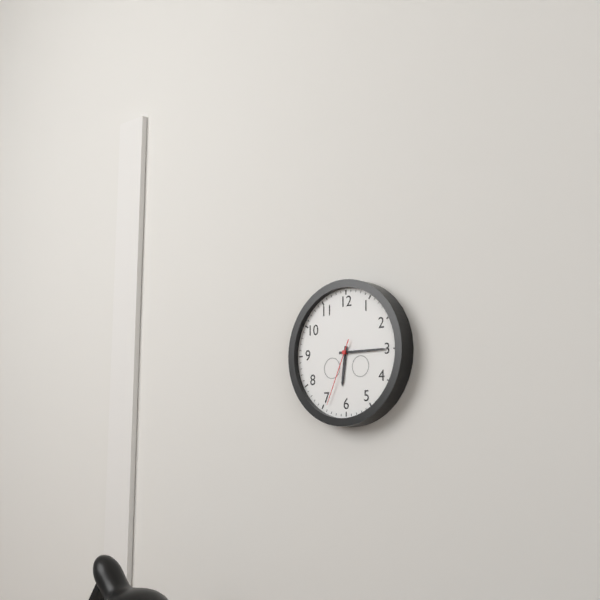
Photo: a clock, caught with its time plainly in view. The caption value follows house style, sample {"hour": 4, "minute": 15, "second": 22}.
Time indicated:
{"hour": 6, "minute": 15, "second": 34}
